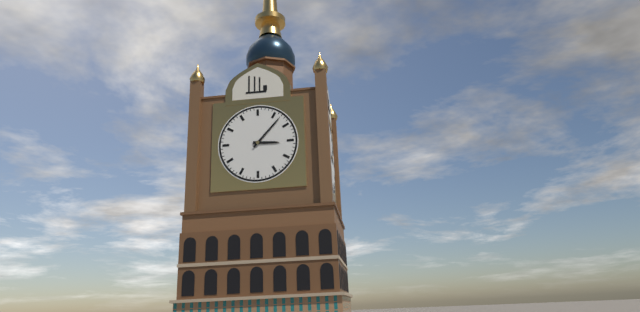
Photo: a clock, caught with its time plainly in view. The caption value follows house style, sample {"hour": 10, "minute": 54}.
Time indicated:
{"hour": 3, "minute": 7}
